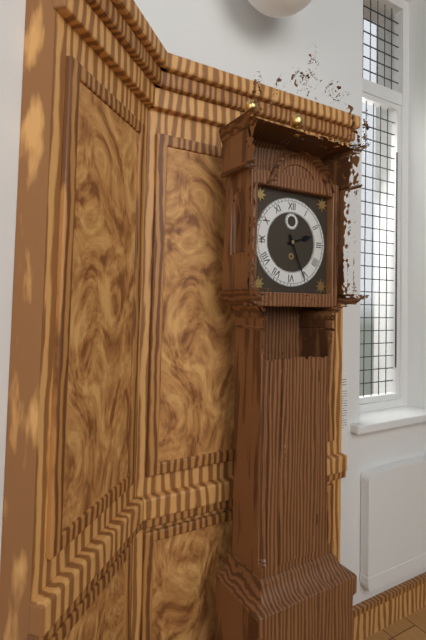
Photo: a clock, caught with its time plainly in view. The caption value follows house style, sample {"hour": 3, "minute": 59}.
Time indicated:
{"hour": 2, "minute": 26}
